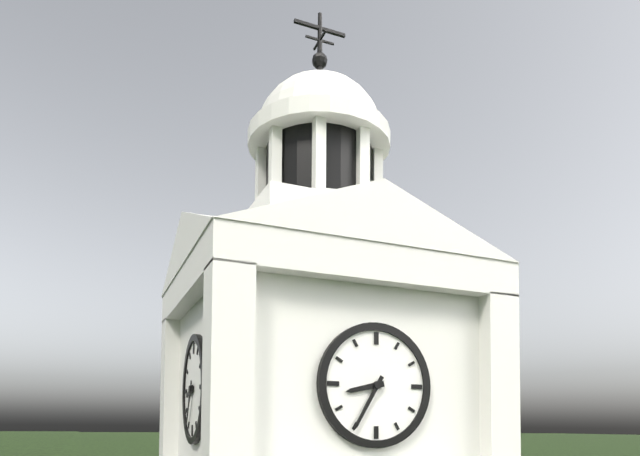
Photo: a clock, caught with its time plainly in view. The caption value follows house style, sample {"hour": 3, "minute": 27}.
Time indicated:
{"hour": 8, "minute": 35}
